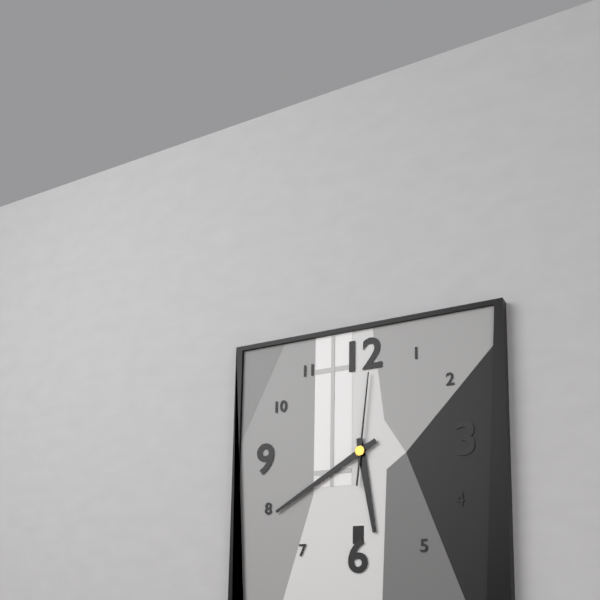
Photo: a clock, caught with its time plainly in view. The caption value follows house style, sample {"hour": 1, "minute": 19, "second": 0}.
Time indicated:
{"hour": 5, "minute": 40, "second": 1}
